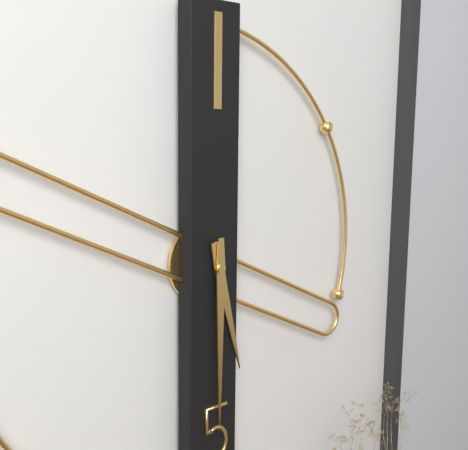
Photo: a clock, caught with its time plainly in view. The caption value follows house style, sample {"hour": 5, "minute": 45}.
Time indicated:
{"hour": 5, "minute": 30}
